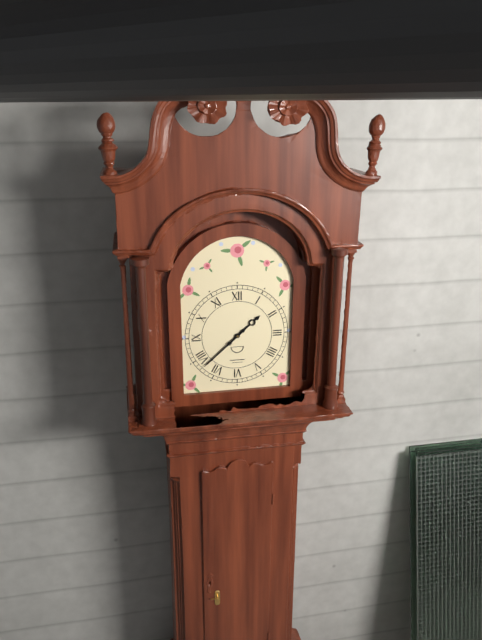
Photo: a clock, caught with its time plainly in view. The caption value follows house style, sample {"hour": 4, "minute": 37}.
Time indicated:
{"hour": 1, "minute": 38}
